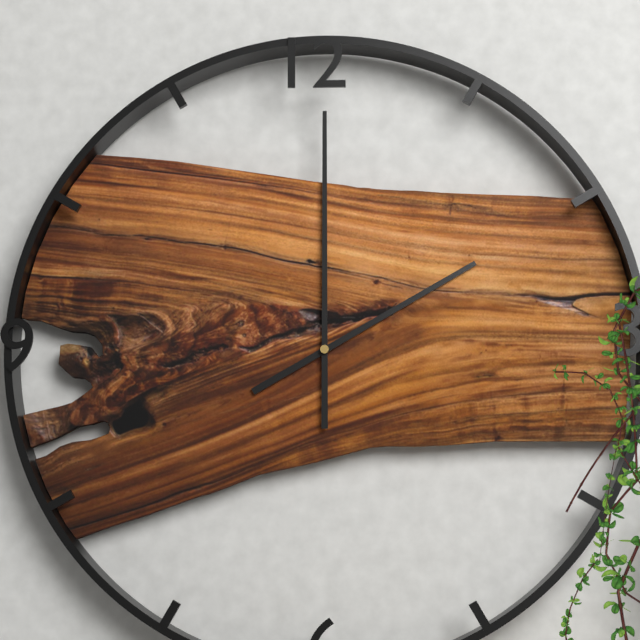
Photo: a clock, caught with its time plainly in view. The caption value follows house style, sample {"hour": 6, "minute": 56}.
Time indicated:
{"hour": 2, "minute": 0}
